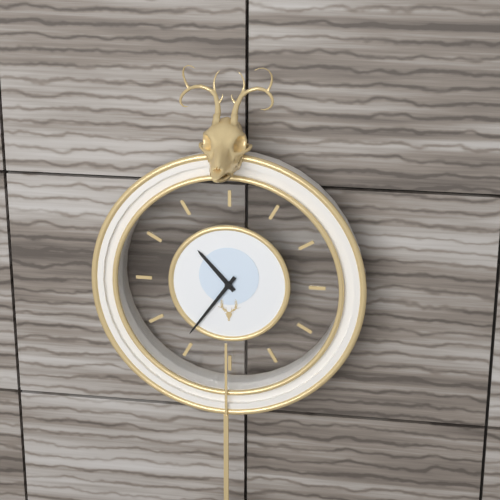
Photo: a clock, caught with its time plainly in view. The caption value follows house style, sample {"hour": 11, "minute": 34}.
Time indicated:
{"hour": 10, "minute": 36}
